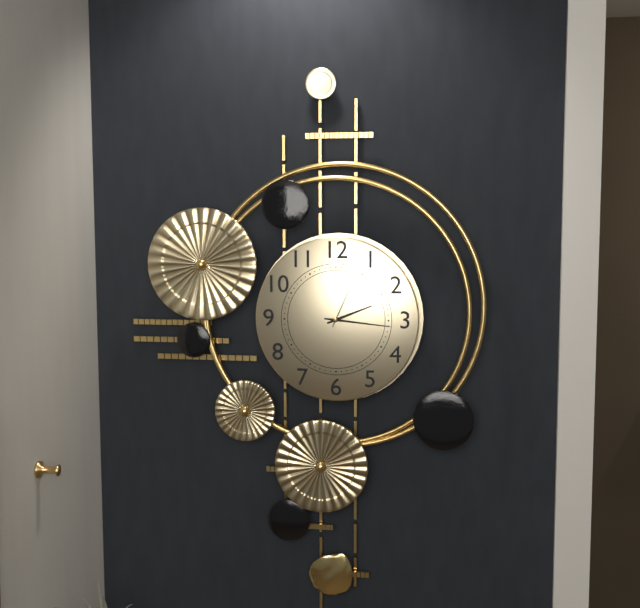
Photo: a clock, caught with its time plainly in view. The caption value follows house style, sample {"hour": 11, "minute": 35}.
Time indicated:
{"hour": 2, "minute": 16}
